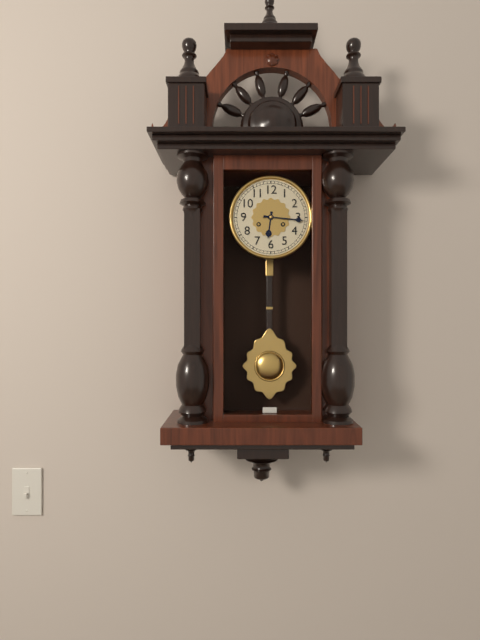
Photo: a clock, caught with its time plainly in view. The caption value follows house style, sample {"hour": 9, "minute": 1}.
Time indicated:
{"hour": 6, "minute": 16}
